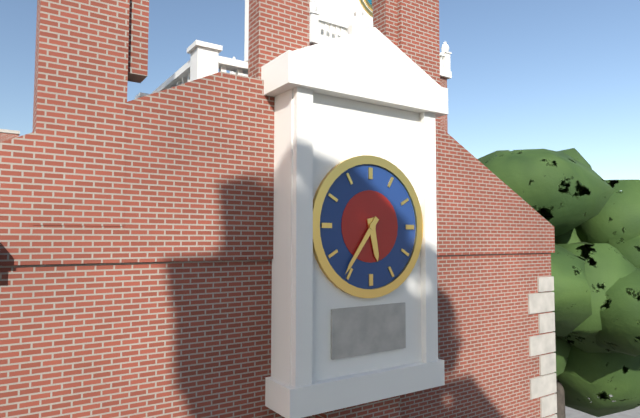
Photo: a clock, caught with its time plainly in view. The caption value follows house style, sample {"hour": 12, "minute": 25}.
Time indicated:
{"hour": 5, "minute": 36}
